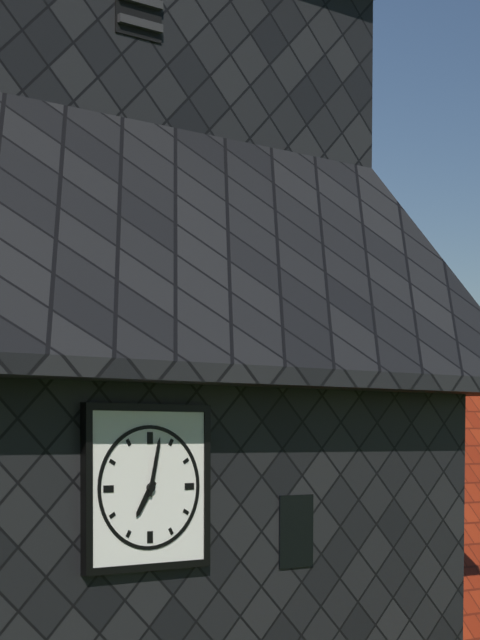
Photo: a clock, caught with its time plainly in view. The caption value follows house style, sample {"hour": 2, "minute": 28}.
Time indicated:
{"hour": 7, "minute": 2}
